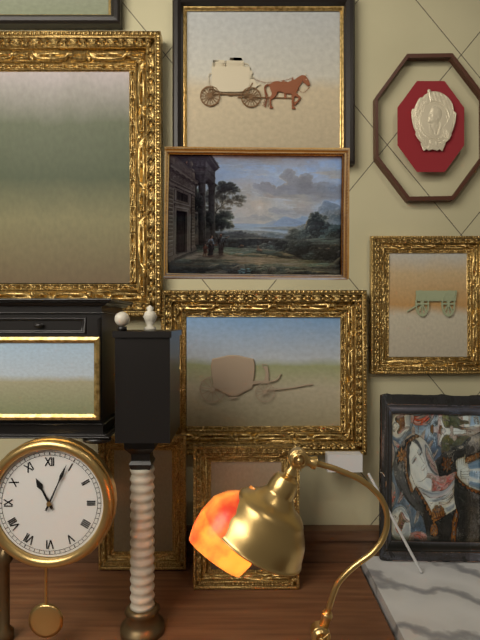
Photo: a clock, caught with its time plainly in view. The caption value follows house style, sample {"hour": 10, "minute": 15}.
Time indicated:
{"hour": 11, "minute": 4}
